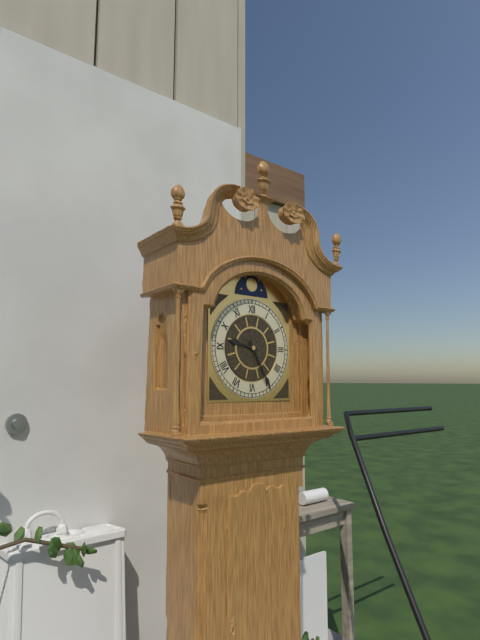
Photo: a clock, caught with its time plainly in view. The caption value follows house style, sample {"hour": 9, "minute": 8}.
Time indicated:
{"hour": 9, "minute": 25}
